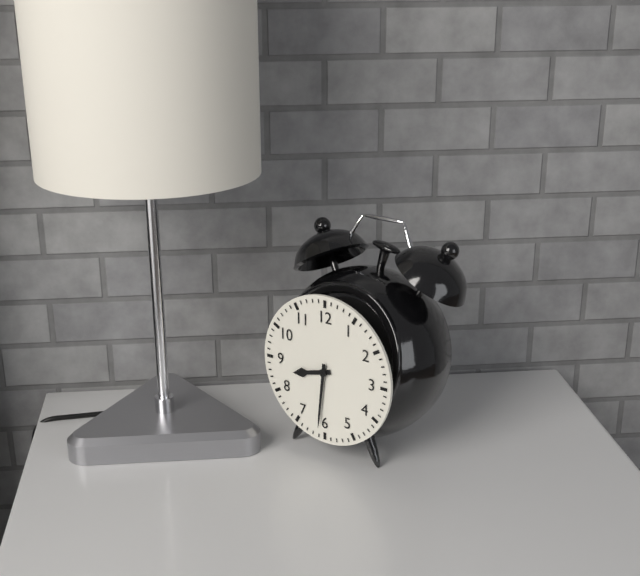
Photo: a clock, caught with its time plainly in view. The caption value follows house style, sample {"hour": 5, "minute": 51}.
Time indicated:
{"hour": 8, "minute": 31}
